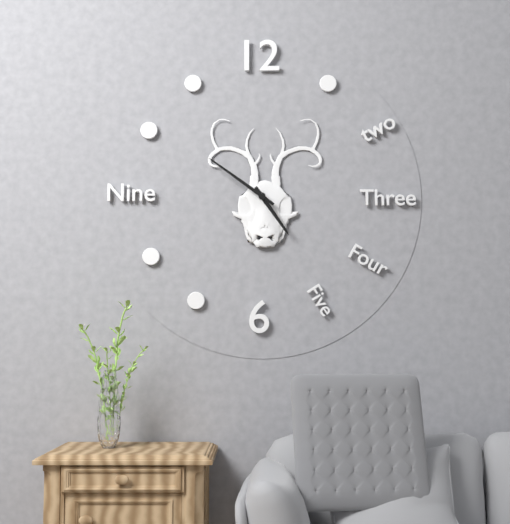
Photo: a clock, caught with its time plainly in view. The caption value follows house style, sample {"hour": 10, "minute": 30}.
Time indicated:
{"hour": 4, "minute": 51}
